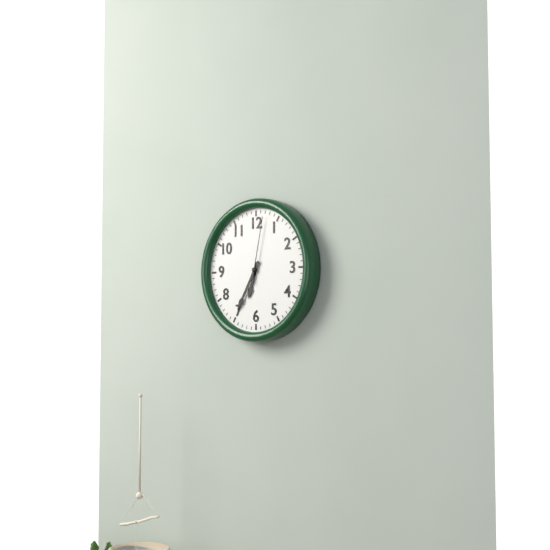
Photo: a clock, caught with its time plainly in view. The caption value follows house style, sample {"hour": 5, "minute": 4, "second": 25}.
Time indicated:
{"hour": 6, "minute": 35, "second": 2}
